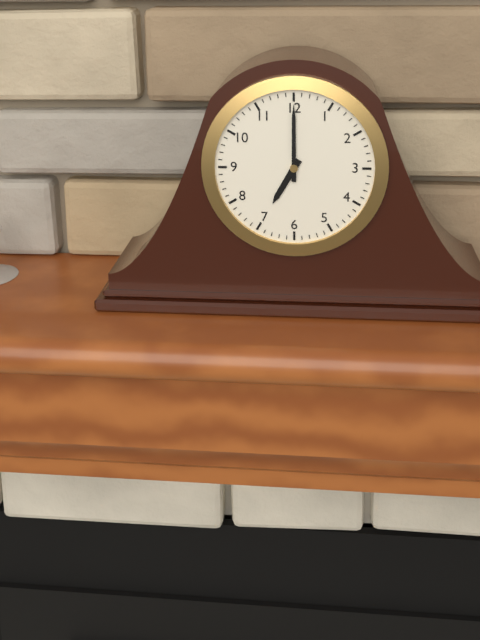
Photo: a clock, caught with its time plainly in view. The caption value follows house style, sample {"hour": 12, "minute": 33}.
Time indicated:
{"hour": 7, "minute": 0}
